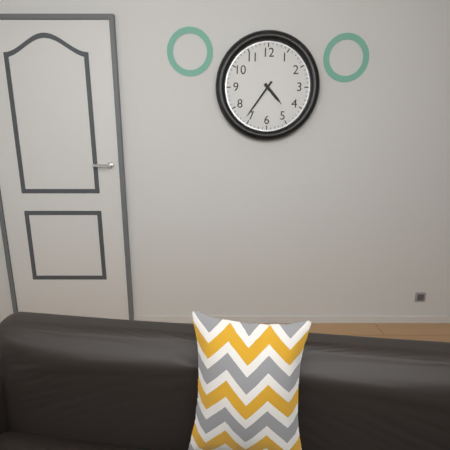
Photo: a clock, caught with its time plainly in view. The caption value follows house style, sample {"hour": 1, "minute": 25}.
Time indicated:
{"hour": 4, "minute": 36}
